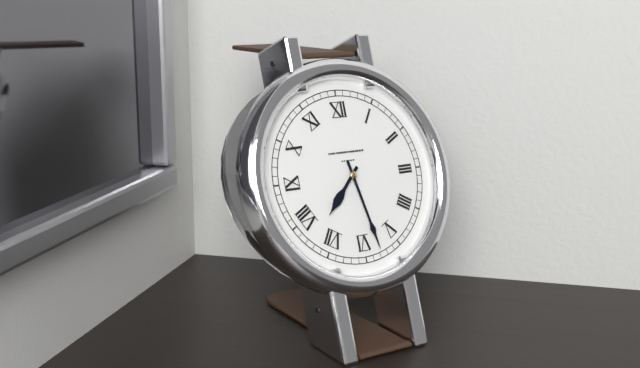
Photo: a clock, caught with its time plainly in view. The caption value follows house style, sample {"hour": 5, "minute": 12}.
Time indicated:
{"hour": 7, "minute": 28}
